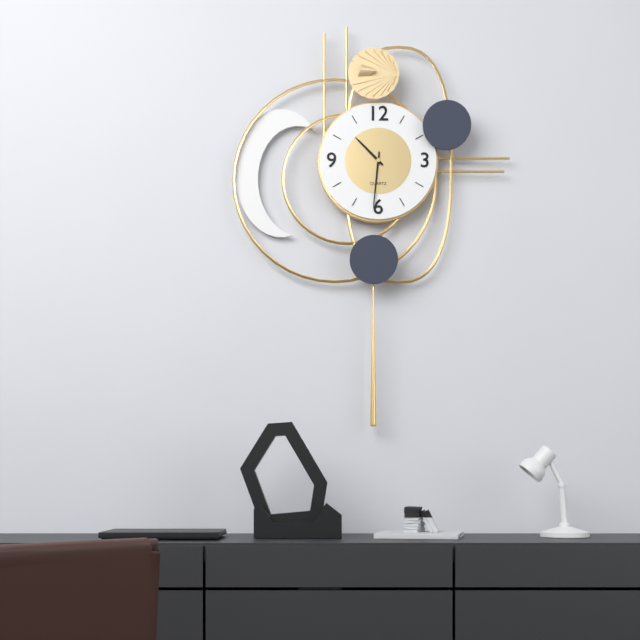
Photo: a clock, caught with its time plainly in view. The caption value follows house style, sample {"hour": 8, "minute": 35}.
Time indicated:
{"hour": 10, "minute": 31}
